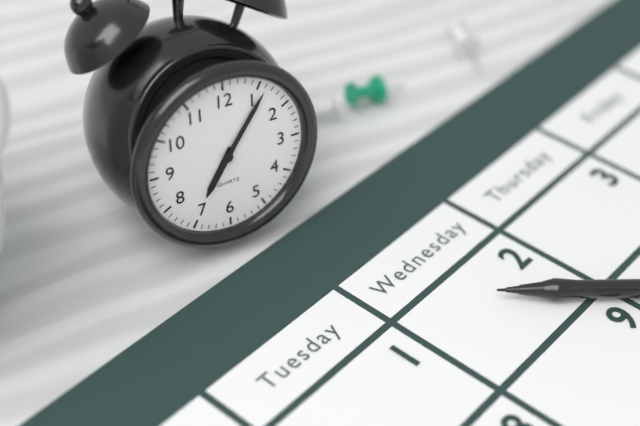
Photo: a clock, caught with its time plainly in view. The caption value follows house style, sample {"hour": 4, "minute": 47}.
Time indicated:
{"hour": 7, "minute": 6}
